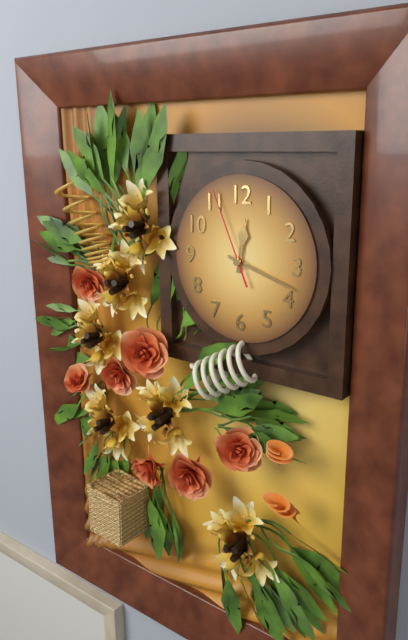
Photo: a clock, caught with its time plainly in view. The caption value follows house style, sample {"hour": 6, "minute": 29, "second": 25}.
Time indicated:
{"hour": 12, "minute": 18, "second": 56}
